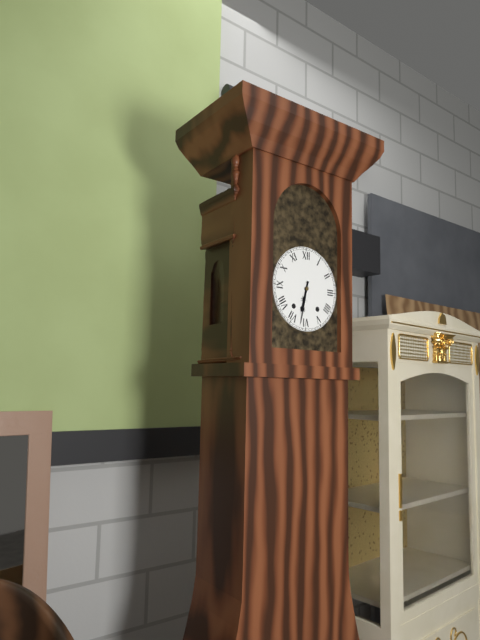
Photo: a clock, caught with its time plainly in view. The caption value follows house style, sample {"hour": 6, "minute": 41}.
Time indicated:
{"hour": 6, "minute": 32}
